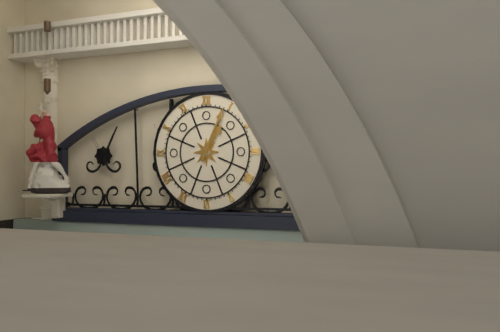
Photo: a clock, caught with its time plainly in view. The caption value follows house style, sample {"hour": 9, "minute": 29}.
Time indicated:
{"hour": 1, "minute": 4}
